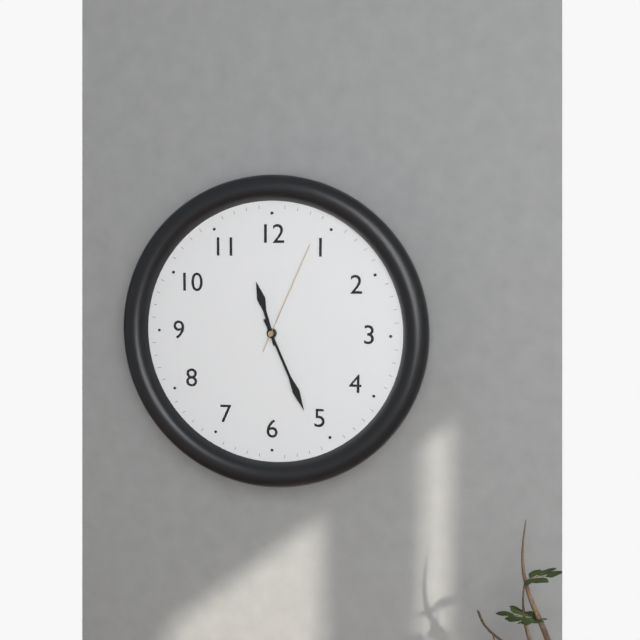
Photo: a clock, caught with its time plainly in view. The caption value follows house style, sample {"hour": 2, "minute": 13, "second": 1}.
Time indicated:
{"hour": 11, "minute": 26, "second": 4}
